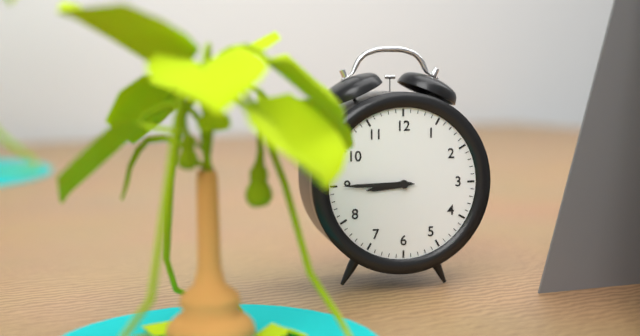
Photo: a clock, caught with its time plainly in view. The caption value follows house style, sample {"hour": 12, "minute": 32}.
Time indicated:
{"hour": 8, "minute": 45}
